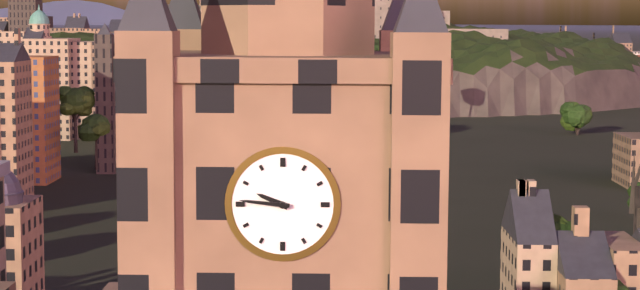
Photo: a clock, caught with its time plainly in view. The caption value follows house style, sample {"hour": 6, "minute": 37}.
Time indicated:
{"hour": 9, "minute": 46}
